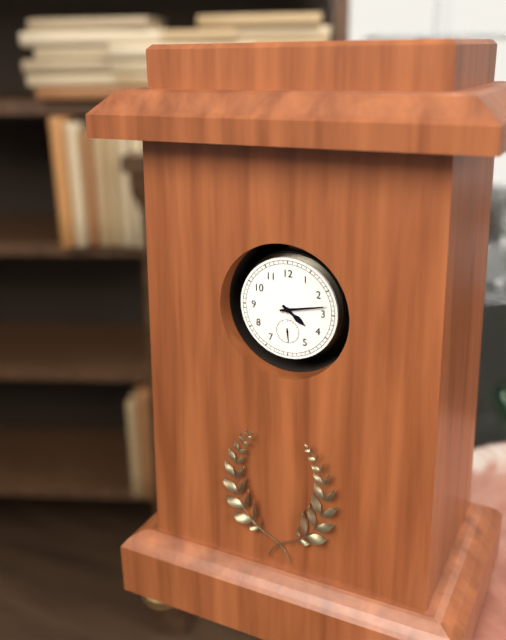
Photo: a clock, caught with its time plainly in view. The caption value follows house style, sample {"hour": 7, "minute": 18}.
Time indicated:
{"hour": 4, "minute": 13}
